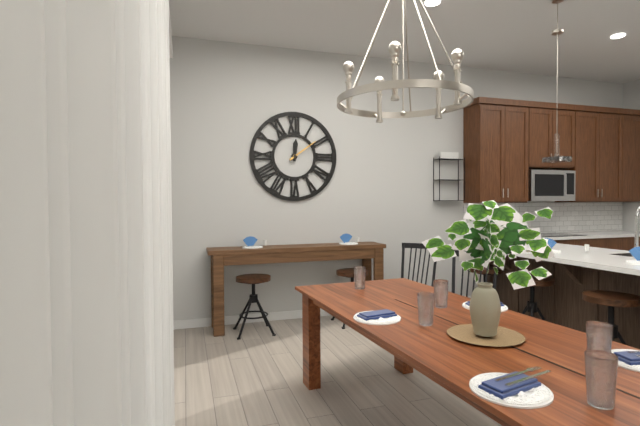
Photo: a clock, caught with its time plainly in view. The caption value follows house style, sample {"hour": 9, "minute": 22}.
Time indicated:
{"hour": 12, "minute": 9}
